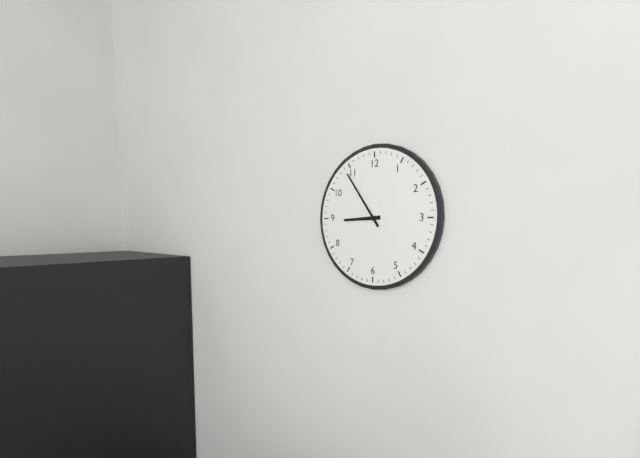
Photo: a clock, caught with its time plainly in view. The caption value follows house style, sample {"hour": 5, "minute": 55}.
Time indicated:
{"hour": 8, "minute": 54}
